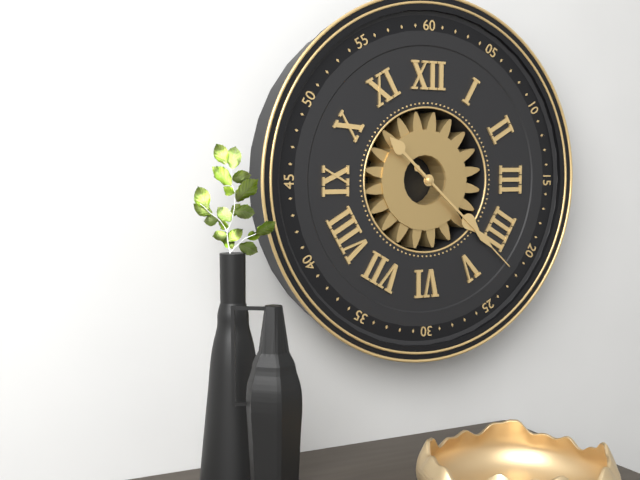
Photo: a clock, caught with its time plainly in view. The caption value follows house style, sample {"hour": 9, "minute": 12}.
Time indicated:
{"hour": 4, "minute": 22}
